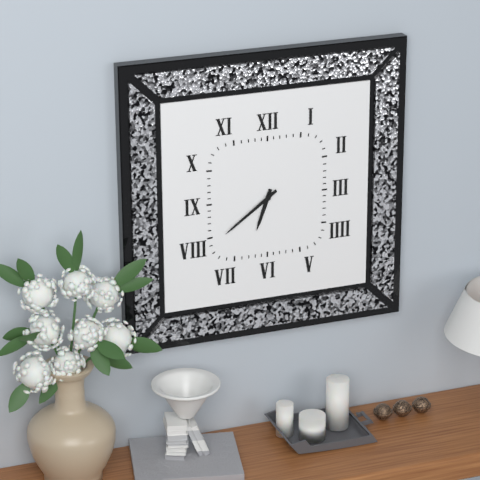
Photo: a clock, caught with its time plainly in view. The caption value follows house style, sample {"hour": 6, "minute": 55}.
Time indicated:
{"hour": 6, "minute": 39}
